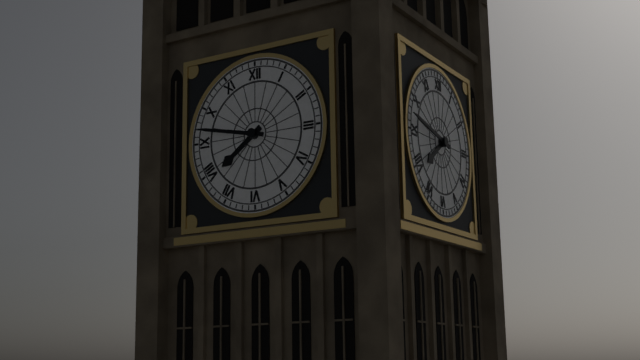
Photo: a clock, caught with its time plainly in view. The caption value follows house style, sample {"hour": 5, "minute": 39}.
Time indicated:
{"hour": 7, "minute": 47}
